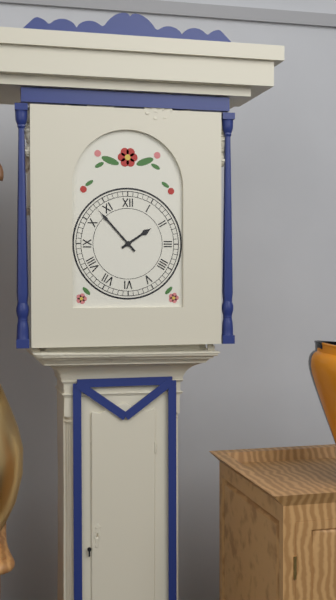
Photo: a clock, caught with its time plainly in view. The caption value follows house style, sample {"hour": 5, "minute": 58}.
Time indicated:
{"hour": 1, "minute": 53}
